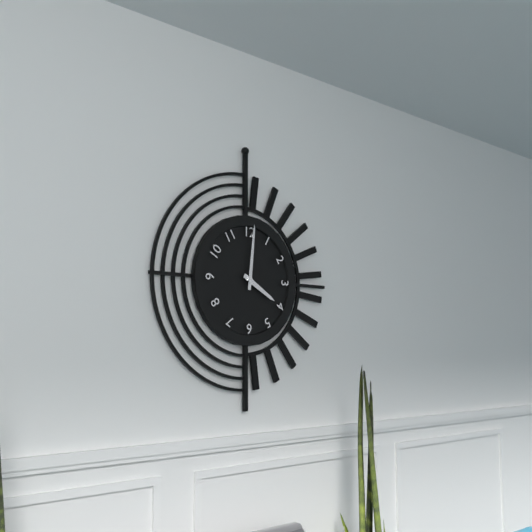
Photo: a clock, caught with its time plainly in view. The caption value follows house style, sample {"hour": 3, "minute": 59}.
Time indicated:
{"hour": 4, "minute": 1}
